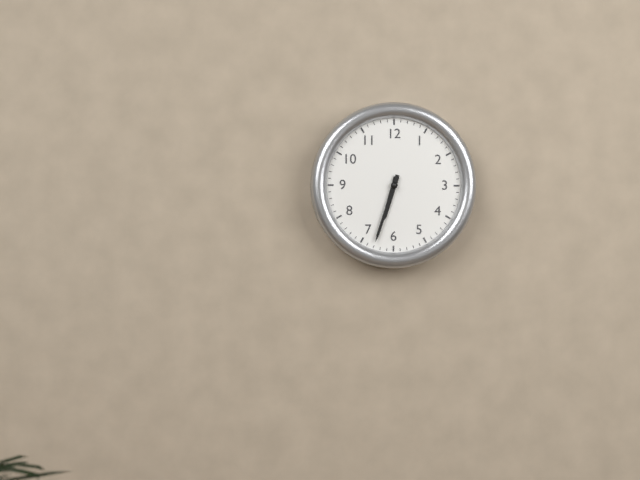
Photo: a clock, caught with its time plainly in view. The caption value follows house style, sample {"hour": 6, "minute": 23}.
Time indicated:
{"hour": 6, "minute": 33}
